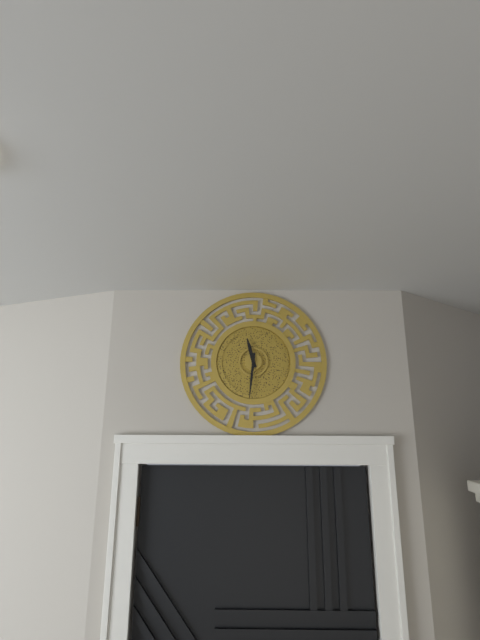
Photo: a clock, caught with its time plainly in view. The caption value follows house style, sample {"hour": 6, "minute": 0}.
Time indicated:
{"hour": 11, "minute": 31}
